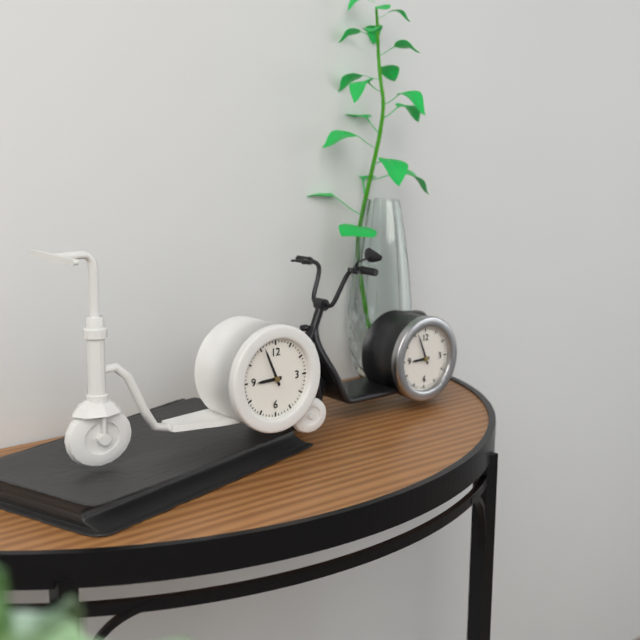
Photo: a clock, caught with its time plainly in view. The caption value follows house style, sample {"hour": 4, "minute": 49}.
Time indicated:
{"hour": 8, "minute": 56}
